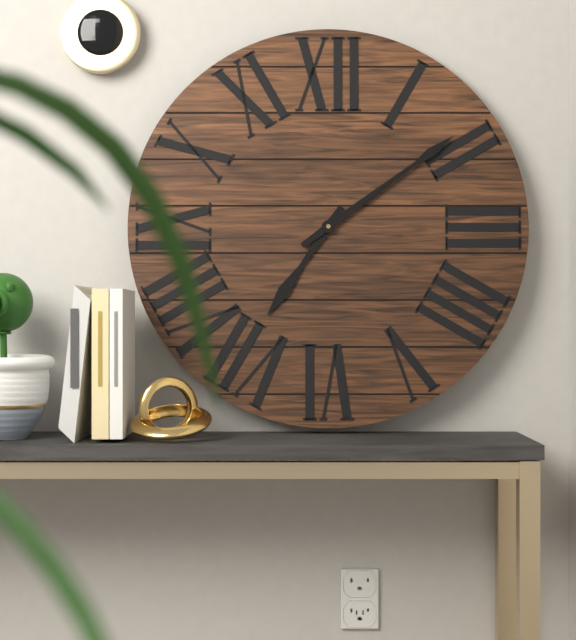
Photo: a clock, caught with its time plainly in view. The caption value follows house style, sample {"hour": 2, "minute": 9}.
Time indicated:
{"hour": 7, "minute": 9}
